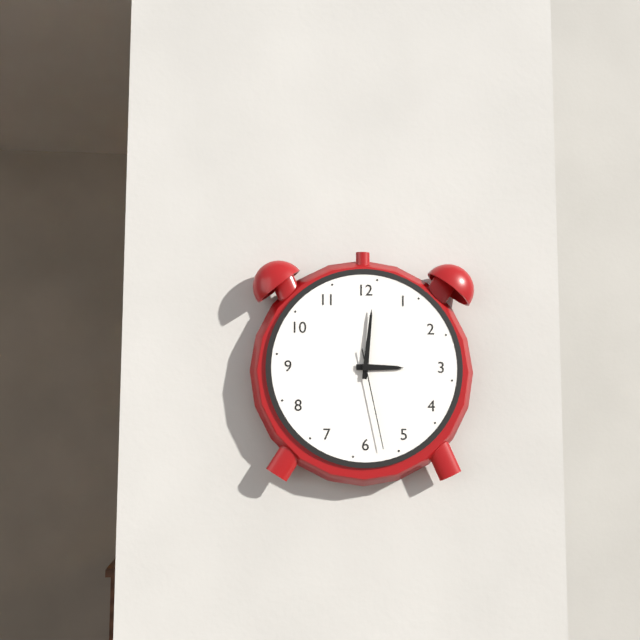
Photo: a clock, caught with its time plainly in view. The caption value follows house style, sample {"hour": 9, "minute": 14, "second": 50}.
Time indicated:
{"hour": 3, "minute": 1, "second": 28}
